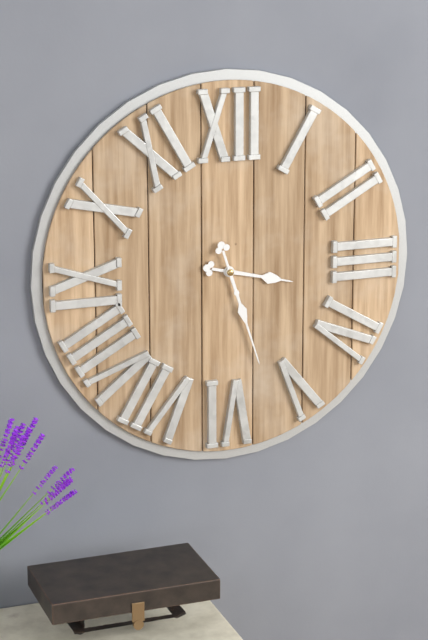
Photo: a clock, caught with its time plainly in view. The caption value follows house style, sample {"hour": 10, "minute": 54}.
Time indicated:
{"hour": 3, "minute": 27}
